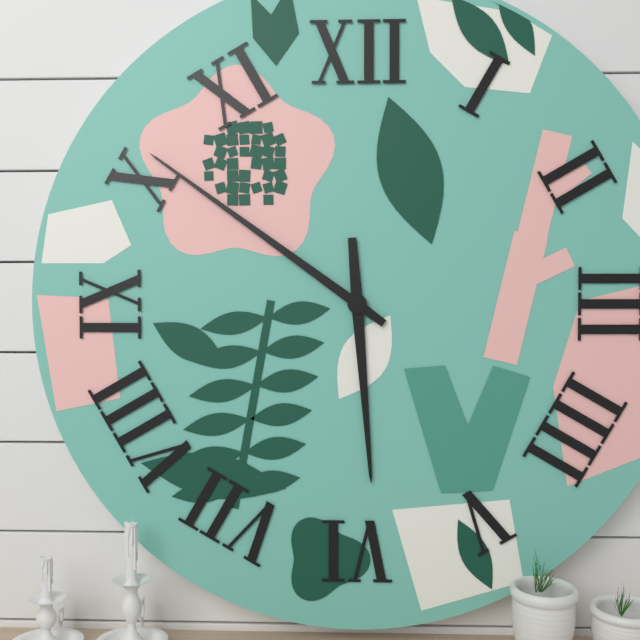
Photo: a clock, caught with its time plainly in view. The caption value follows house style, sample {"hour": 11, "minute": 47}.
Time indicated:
{"hour": 5, "minute": 51}
